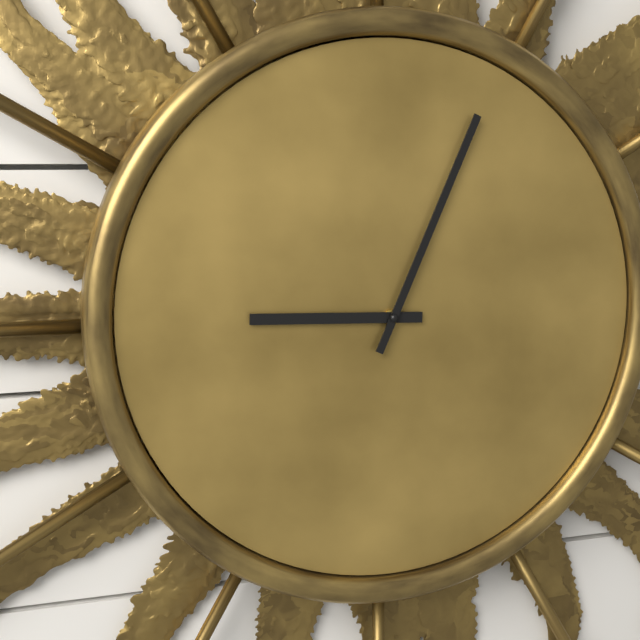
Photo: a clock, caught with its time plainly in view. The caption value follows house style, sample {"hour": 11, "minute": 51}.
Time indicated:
{"hour": 9, "minute": 4}
